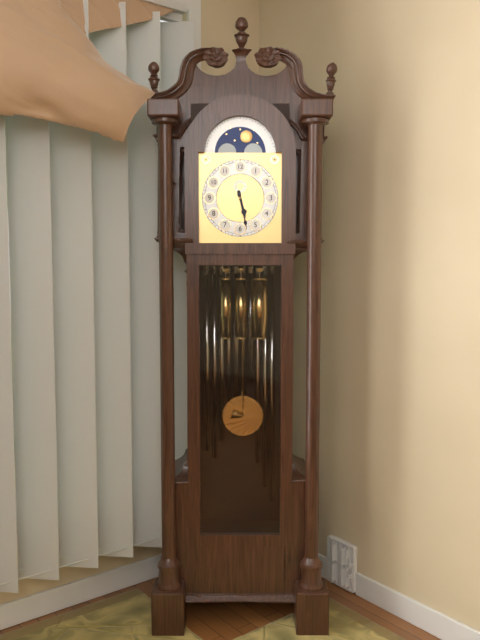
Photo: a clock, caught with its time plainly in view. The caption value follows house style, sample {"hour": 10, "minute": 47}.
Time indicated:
{"hour": 5, "minute": 28}
